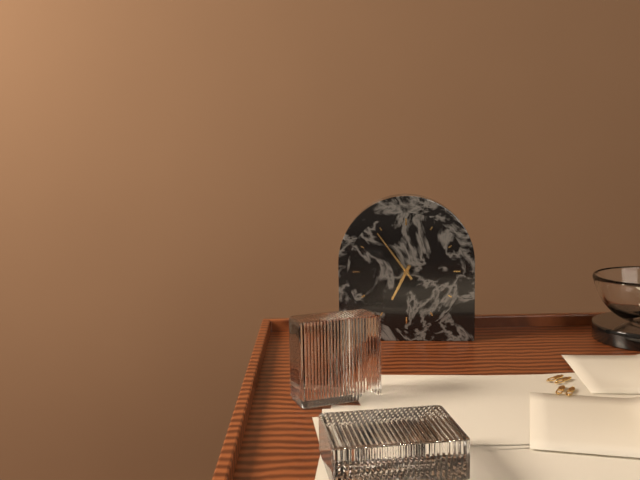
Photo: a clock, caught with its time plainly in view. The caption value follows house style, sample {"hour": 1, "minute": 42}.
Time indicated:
{"hour": 6, "minute": 54}
